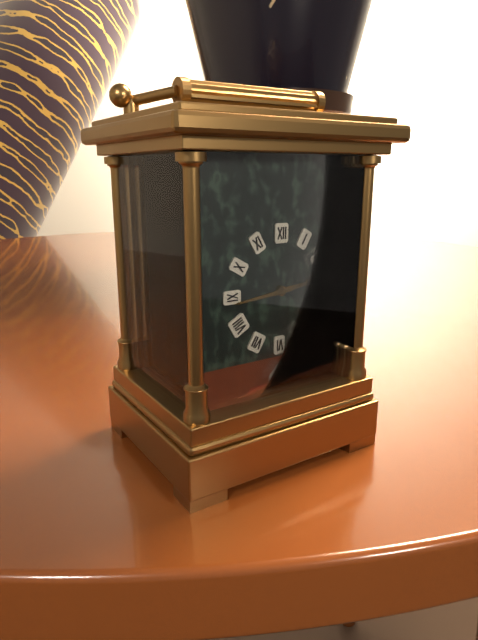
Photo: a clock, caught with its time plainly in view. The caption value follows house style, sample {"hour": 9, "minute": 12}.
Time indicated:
{"hour": 2, "minute": 44}
